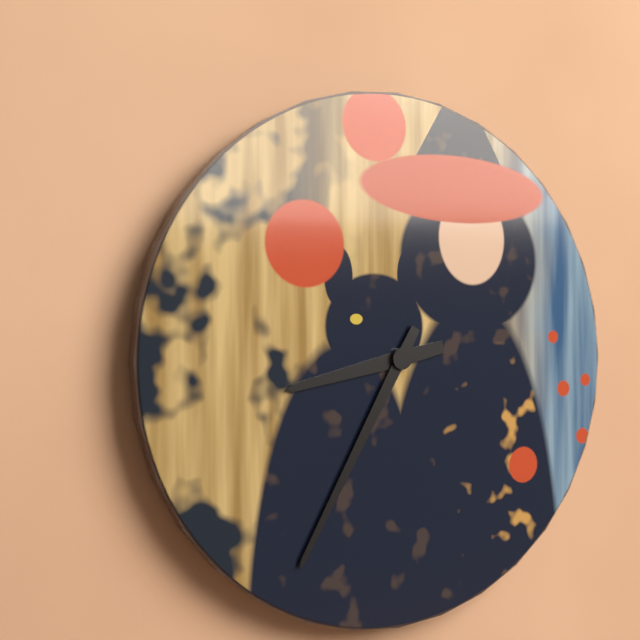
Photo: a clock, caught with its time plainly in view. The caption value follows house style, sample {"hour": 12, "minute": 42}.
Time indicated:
{"hour": 8, "minute": 35}
